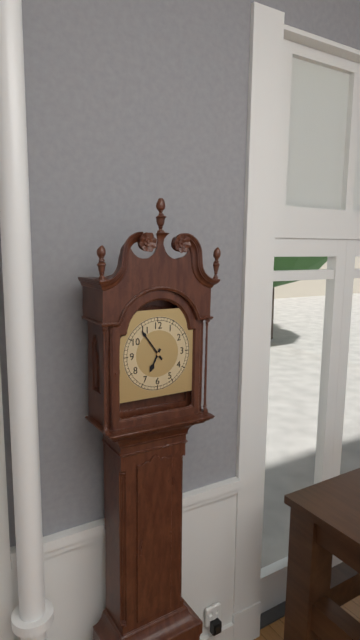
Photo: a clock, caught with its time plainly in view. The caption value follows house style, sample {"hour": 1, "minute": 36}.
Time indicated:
{"hour": 6, "minute": 54}
